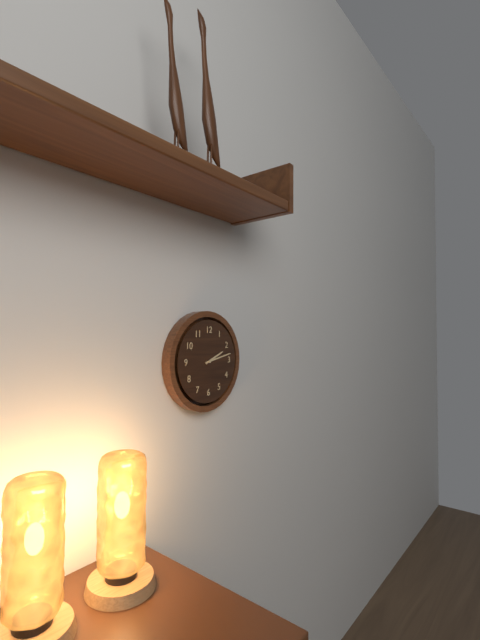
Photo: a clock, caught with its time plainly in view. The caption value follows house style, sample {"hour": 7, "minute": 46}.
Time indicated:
{"hour": 2, "minute": 13}
